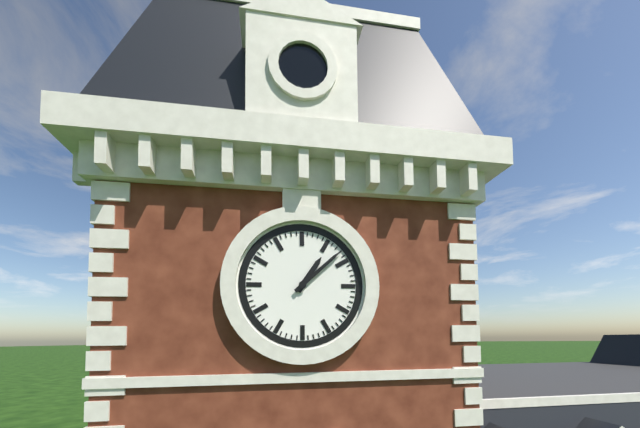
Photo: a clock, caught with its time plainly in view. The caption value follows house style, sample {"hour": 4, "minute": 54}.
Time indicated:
{"hour": 1, "minute": 8}
